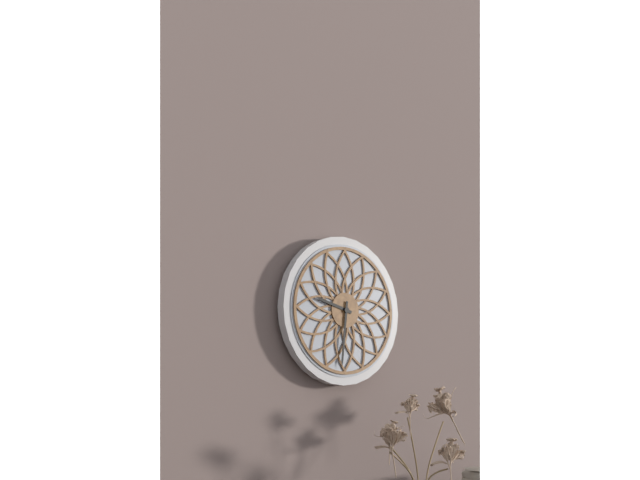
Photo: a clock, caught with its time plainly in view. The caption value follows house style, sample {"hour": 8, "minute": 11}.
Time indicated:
{"hour": 9, "minute": 31}
